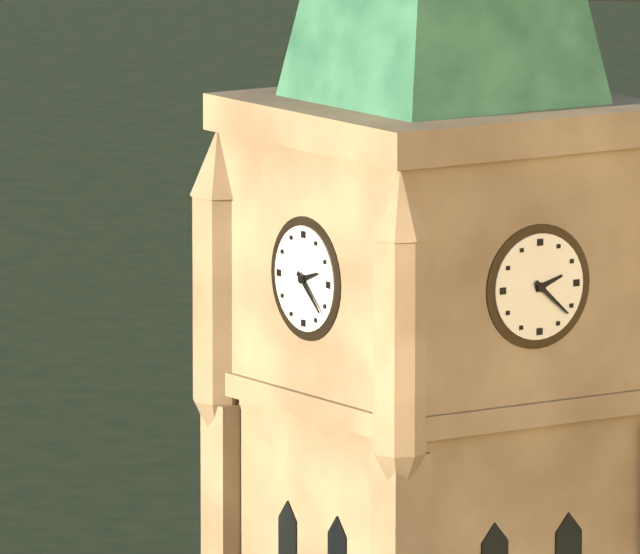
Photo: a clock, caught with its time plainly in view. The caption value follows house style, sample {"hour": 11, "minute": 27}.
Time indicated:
{"hour": 2, "minute": 22}
